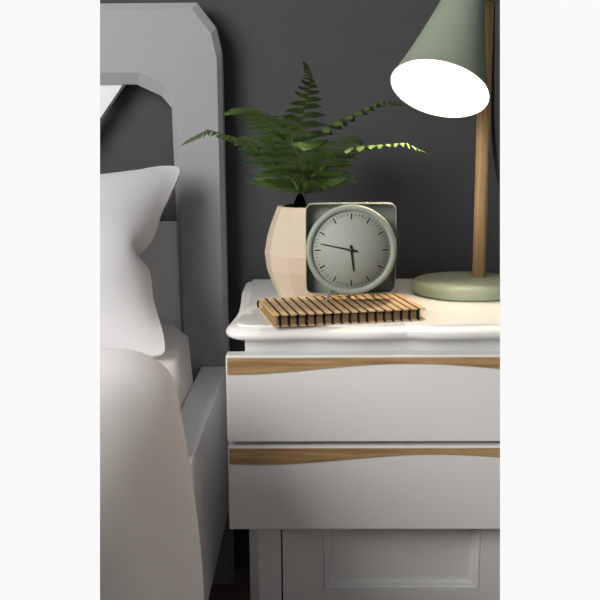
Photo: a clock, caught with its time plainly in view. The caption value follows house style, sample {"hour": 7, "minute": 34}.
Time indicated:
{"hour": 5, "minute": 47}
